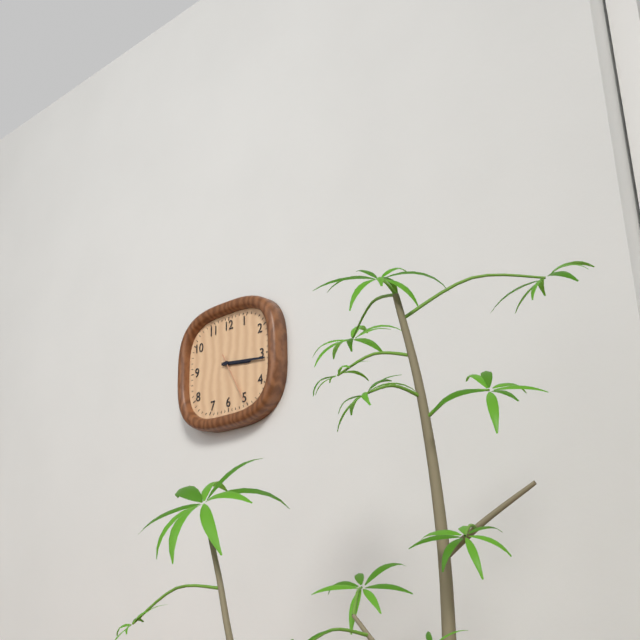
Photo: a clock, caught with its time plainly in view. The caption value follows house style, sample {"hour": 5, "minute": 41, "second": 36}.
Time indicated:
{"hour": 3, "minute": 16, "second": 25}
